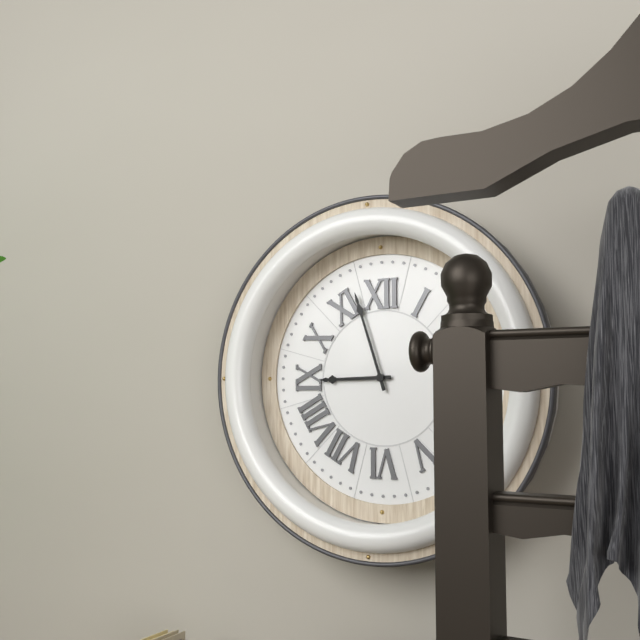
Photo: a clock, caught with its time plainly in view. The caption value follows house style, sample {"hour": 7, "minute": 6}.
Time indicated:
{"hour": 8, "minute": 57}
